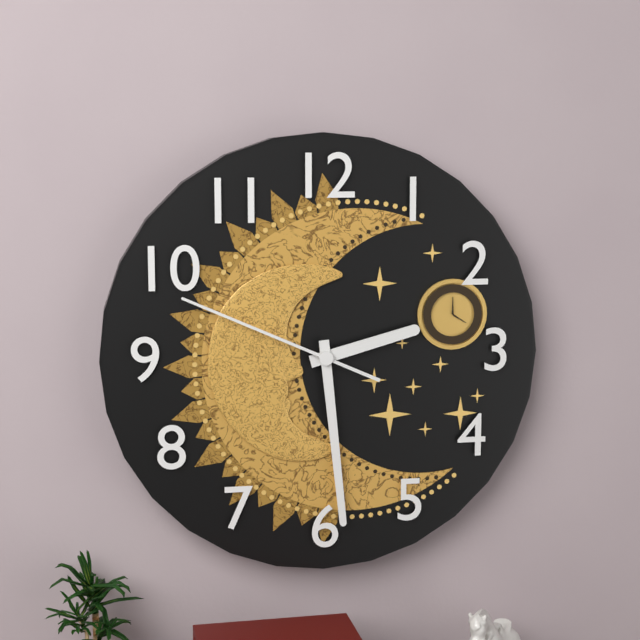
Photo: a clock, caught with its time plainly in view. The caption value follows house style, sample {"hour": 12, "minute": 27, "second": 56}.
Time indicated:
{"hour": 2, "minute": 29, "second": 49}
